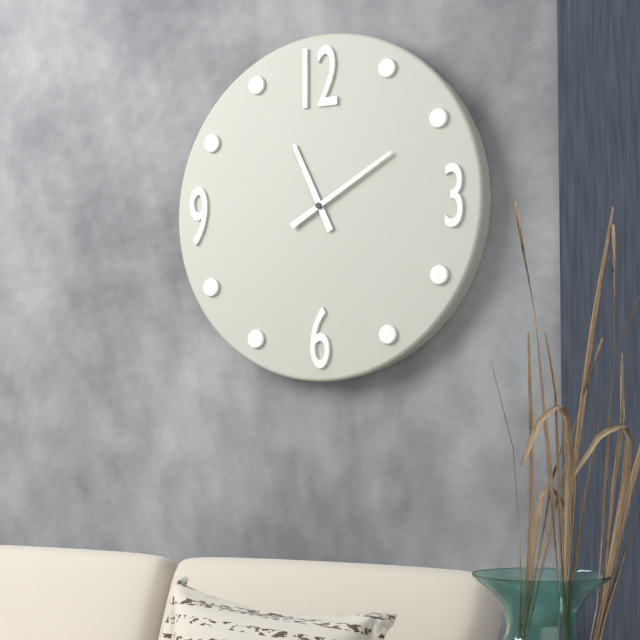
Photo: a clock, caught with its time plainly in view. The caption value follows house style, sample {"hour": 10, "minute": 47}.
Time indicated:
{"hour": 11, "minute": 10}
